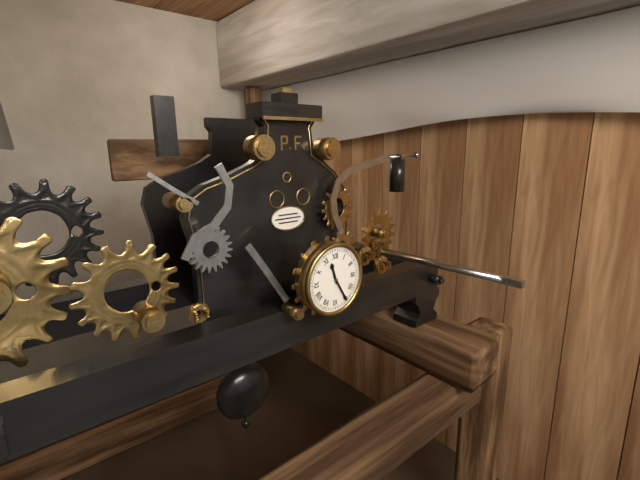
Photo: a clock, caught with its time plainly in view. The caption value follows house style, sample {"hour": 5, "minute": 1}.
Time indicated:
{"hour": 11, "minute": 25}
